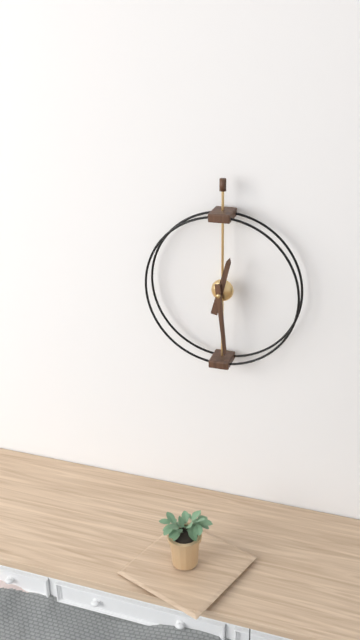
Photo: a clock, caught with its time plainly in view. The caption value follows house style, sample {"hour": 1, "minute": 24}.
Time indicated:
{"hour": 12, "minute": 29}
